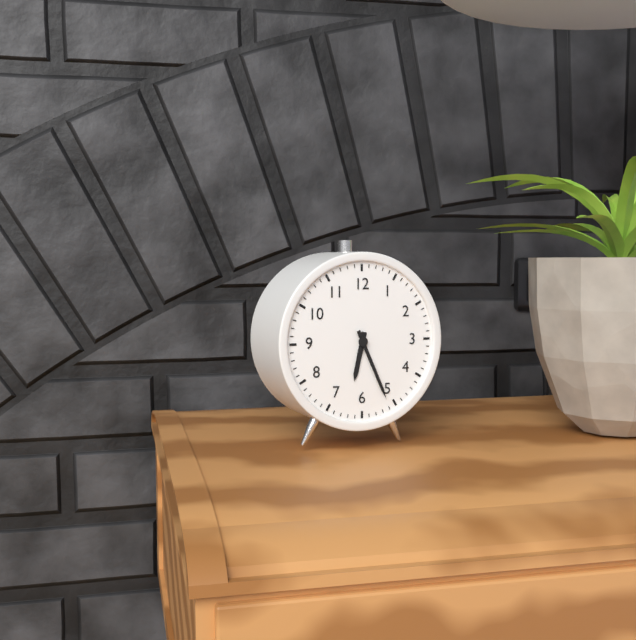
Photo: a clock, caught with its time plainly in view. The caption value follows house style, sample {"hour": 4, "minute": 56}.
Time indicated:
{"hour": 6, "minute": 26}
